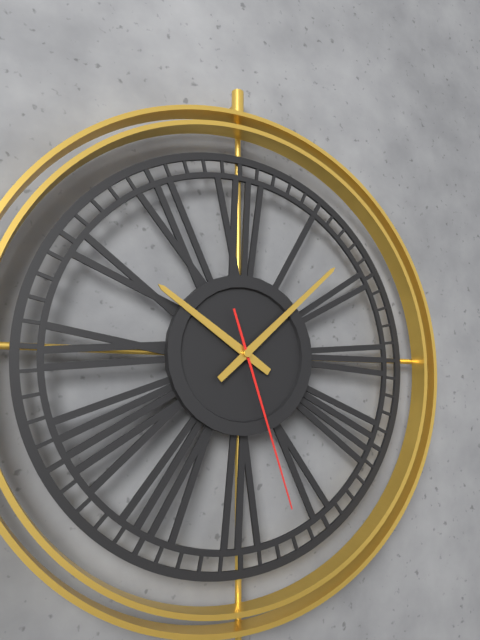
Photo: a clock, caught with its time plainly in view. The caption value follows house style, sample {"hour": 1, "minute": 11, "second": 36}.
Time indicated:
{"hour": 10, "minute": 8, "second": 27}
